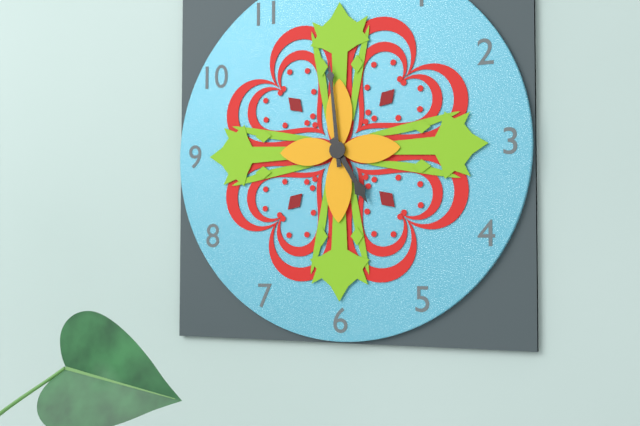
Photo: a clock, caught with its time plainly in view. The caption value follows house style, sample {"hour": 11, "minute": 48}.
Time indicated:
{"hour": 4, "minute": 59}
